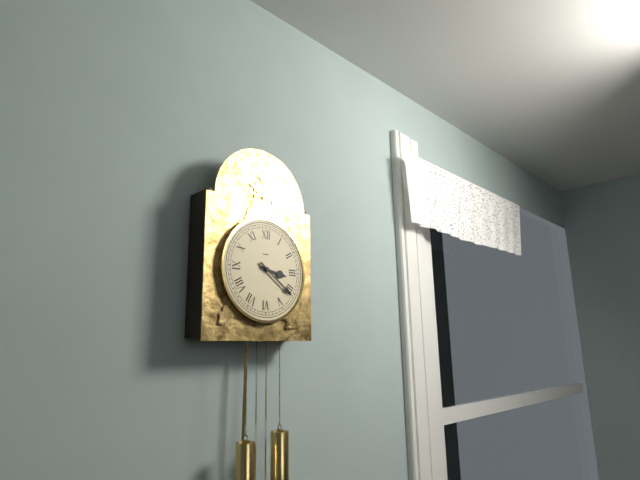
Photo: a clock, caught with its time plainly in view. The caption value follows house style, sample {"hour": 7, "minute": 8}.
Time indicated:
{"hour": 3, "minute": 21}
